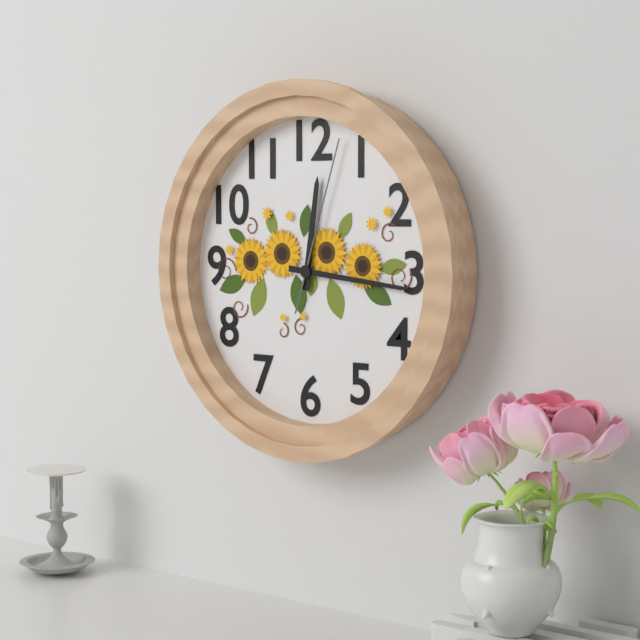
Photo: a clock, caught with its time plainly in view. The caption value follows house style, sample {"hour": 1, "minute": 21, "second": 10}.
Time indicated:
{"hour": 12, "minute": 16, "second": 3}
